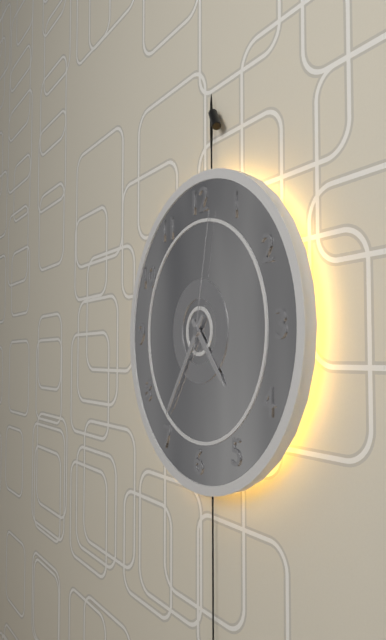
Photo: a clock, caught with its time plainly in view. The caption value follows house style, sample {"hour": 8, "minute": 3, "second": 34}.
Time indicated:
{"hour": 4, "minute": 36, "second": 2}
